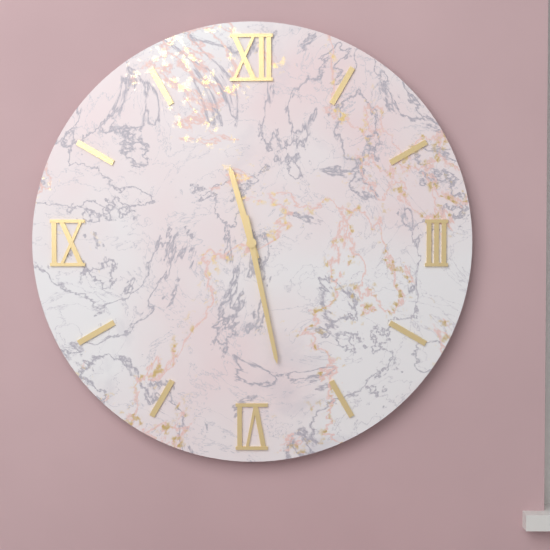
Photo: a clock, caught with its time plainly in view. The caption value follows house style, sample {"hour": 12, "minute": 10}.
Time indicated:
{"hour": 11, "minute": 28}
